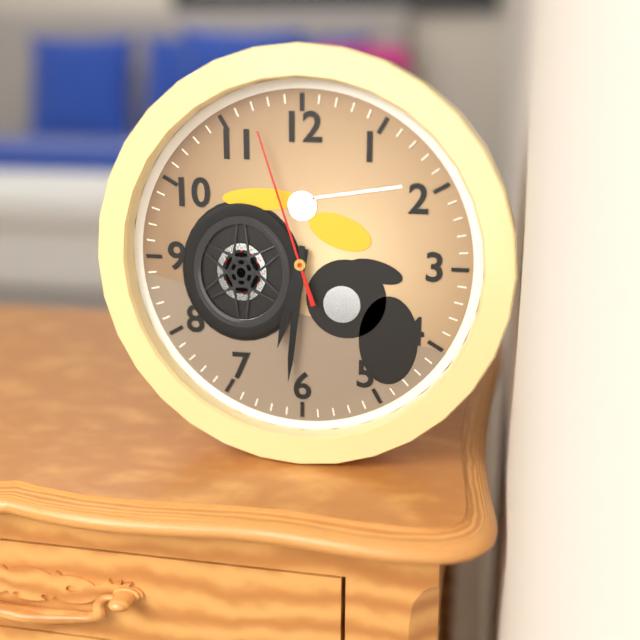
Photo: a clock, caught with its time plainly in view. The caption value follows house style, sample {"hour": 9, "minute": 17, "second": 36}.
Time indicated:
{"hour": 6, "minute": 31, "second": 57}
